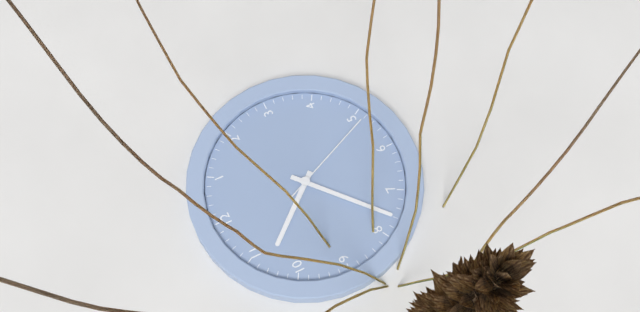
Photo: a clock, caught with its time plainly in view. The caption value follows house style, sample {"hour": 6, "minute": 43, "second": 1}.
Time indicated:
{"hour": 10, "minute": 38, "second": 26}
